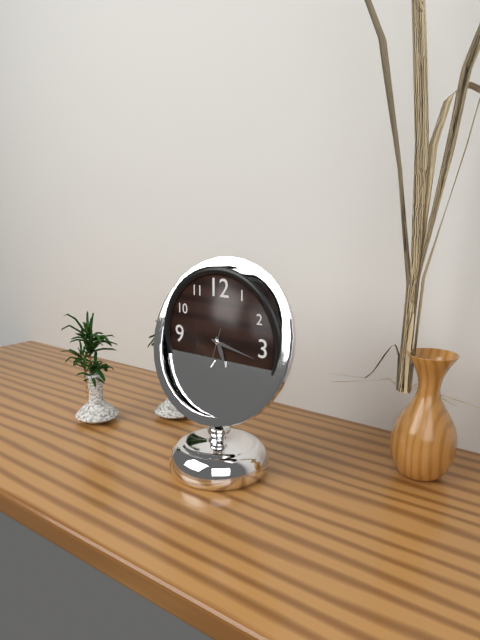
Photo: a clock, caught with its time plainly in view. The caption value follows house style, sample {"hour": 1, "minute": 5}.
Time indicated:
{"hour": 5, "minute": 17}
